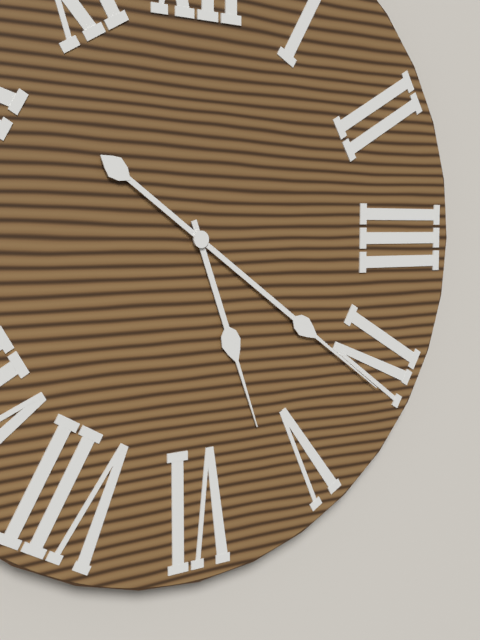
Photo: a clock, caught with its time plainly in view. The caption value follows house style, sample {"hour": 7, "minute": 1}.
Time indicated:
{"hour": 5, "minute": 21}
